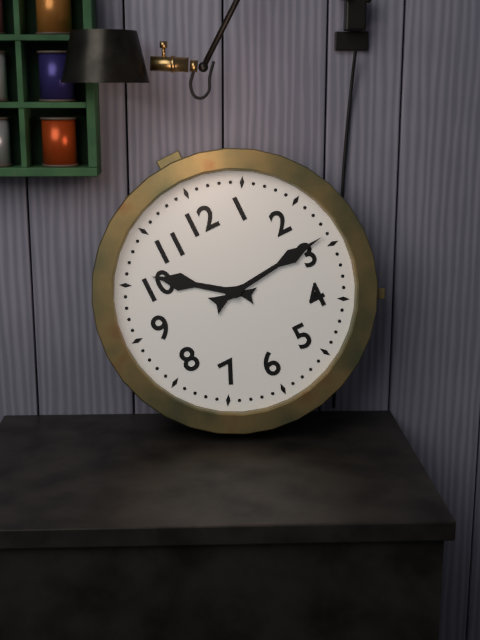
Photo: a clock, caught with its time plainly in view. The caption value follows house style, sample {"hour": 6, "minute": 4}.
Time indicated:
{"hour": 10, "minute": 14}
